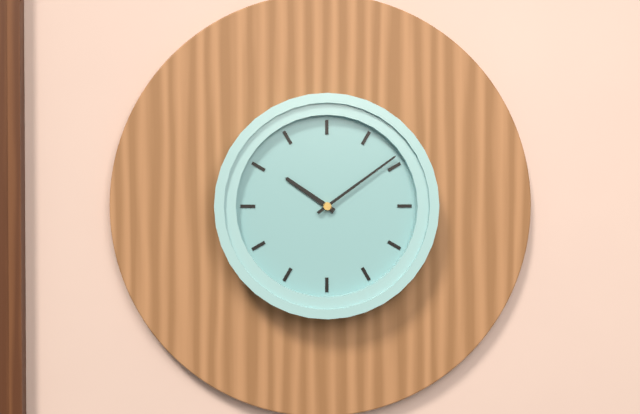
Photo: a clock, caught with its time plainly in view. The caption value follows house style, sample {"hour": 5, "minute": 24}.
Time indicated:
{"hour": 10, "minute": 9}
